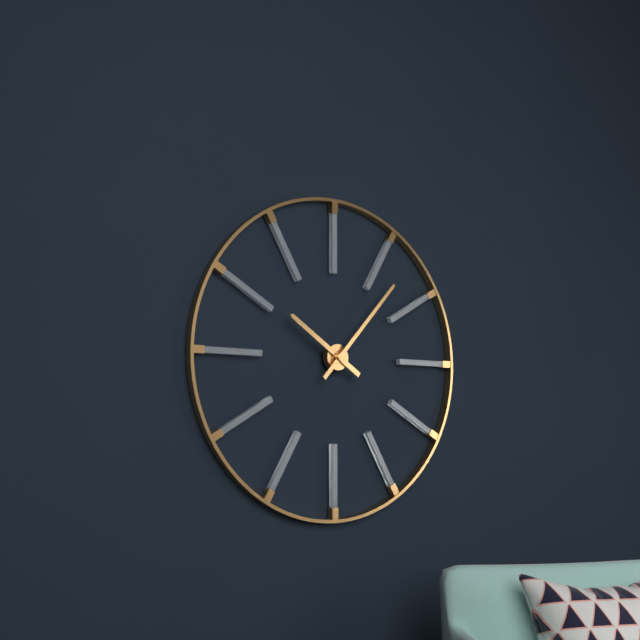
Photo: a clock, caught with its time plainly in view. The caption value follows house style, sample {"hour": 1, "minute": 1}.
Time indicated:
{"hour": 10, "minute": 7}
